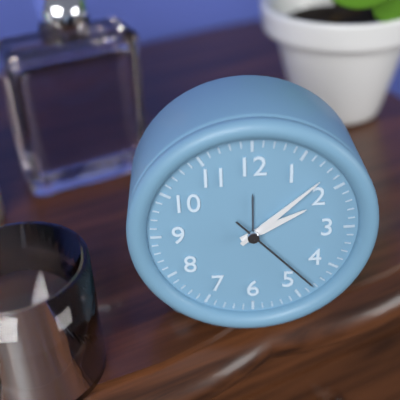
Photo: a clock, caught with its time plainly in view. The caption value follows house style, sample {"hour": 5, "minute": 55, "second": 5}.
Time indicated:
{"hour": 2, "minute": 8, "second": 23}
